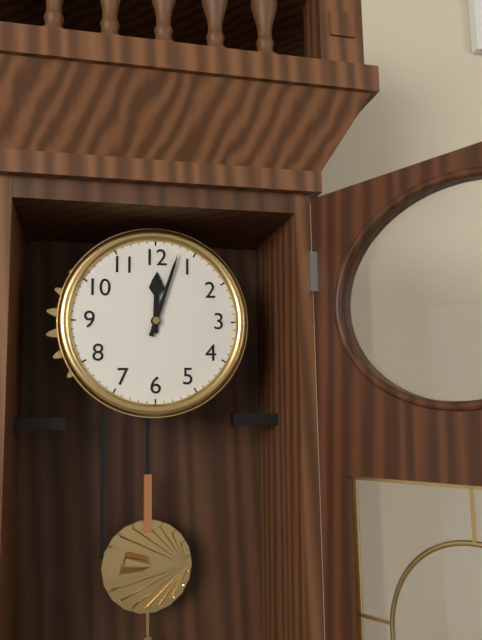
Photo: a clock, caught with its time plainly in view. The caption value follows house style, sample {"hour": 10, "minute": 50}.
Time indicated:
{"hour": 12, "minute": 3}
